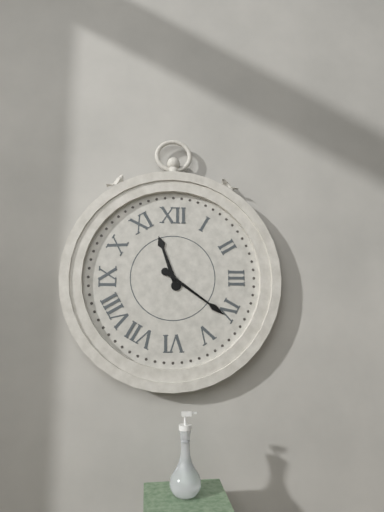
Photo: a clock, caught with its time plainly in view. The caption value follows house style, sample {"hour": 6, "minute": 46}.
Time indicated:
{"hour": 11, "minute": 21}
